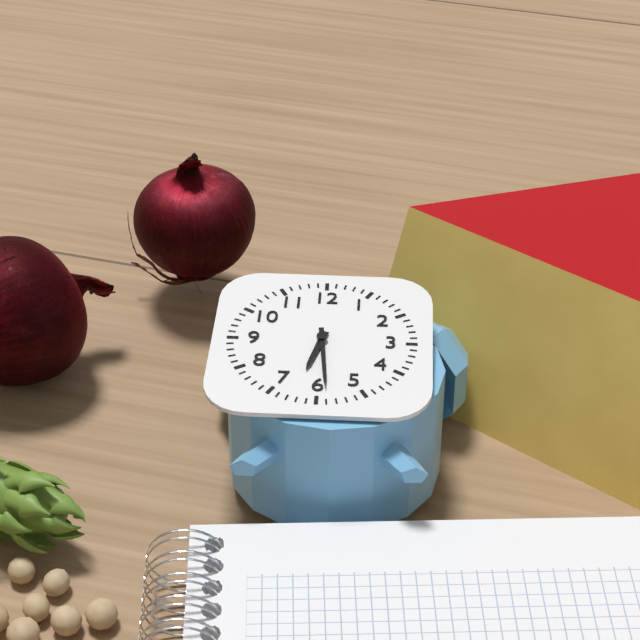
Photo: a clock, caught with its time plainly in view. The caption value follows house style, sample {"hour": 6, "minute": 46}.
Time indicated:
{"hour": 6, "minute": 29}
